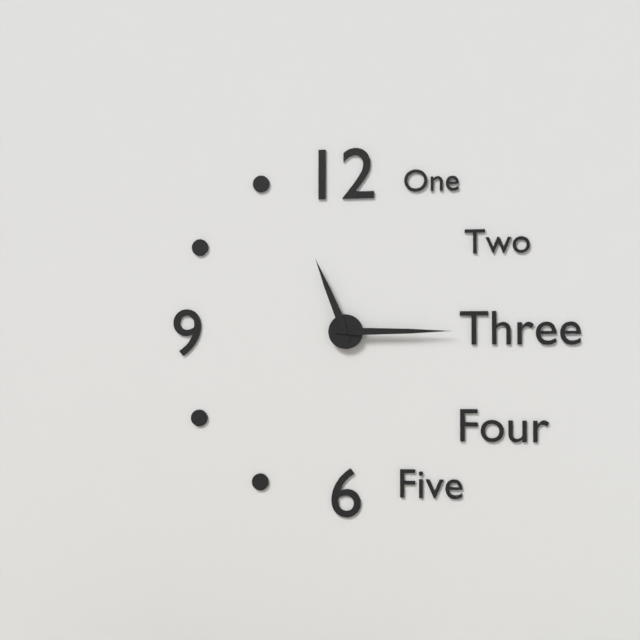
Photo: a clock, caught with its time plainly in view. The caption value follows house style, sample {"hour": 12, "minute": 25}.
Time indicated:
{"hour": 11, "minute": 15}
